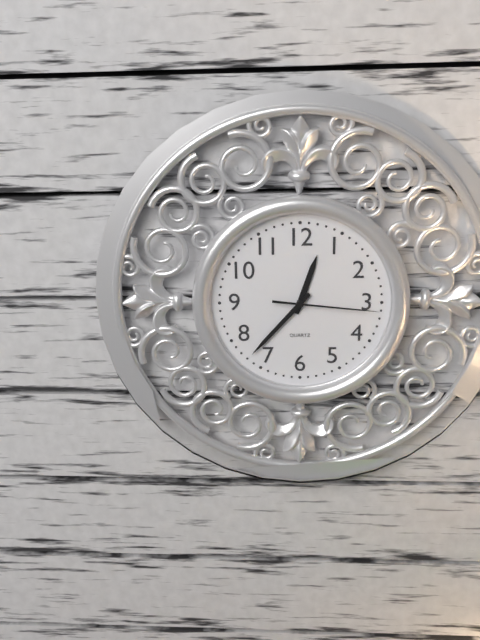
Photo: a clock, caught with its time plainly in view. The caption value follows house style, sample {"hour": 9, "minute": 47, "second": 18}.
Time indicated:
{"hour": 12, "minute": 37, "second": 16}
